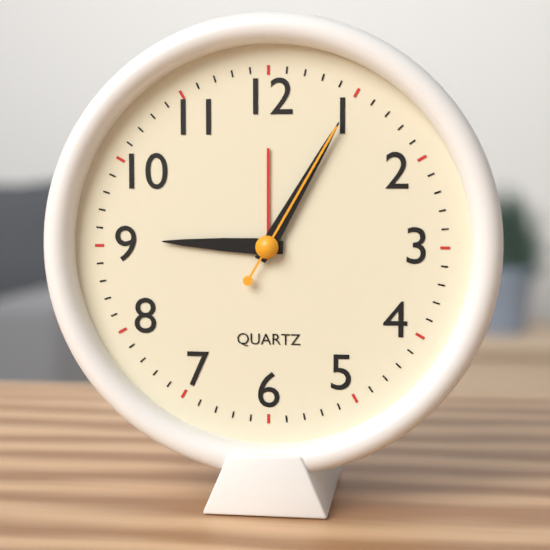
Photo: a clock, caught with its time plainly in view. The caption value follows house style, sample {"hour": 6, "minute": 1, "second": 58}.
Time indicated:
{"hour": 9, "minute": 5, "second": 5}
